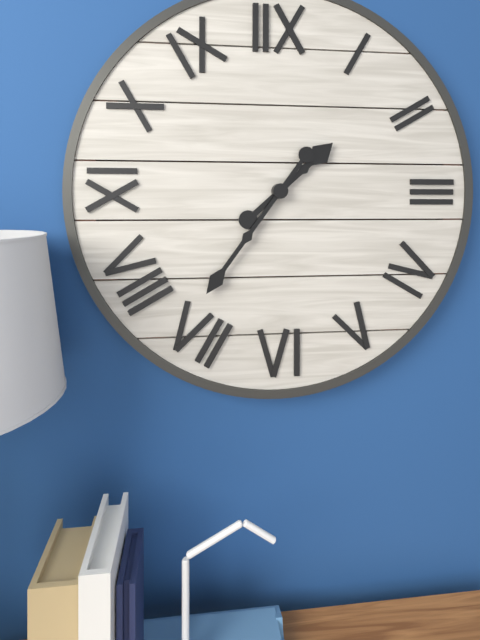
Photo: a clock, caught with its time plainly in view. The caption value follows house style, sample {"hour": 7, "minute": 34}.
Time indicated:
{"hour": 1, "minute": 36}
